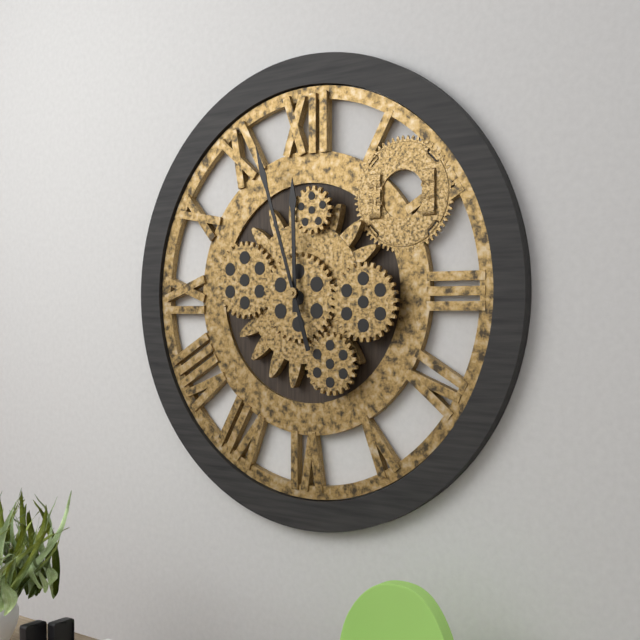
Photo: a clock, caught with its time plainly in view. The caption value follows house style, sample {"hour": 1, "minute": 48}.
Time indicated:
{"hour": 11, "minute": 57}
